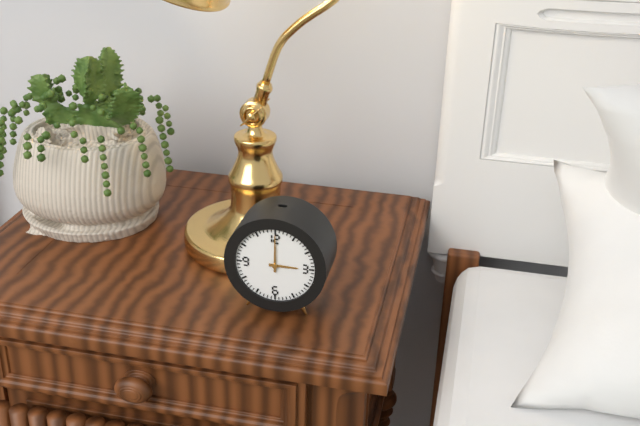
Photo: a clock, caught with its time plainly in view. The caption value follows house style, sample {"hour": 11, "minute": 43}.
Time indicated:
{"hour": 3, "minute": 0}
